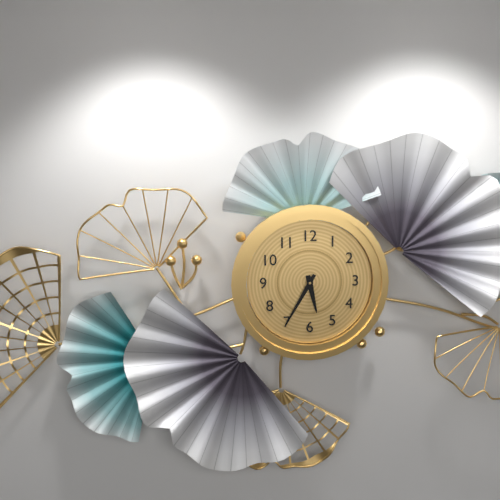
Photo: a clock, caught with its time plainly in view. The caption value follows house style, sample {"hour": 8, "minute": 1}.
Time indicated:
{"hour": 5, "minute": 35}
